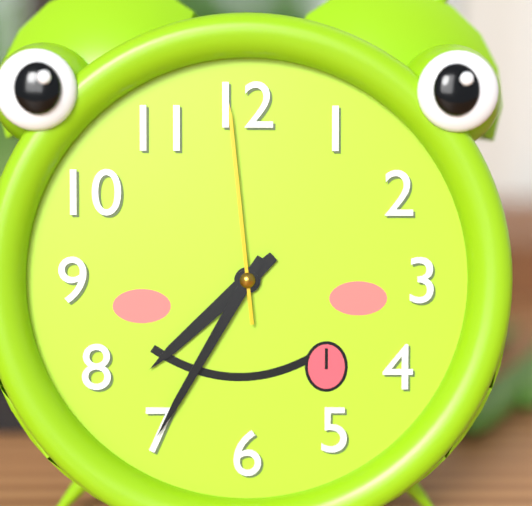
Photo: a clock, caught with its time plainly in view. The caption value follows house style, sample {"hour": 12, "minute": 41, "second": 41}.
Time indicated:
{"hour": 7, "minute": 35, "second": 59}
